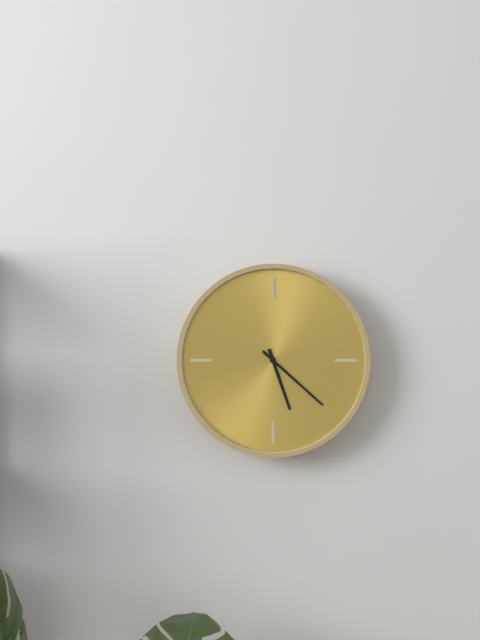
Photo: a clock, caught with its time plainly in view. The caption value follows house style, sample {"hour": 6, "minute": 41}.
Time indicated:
{"hour": 5, "minute": 22}
